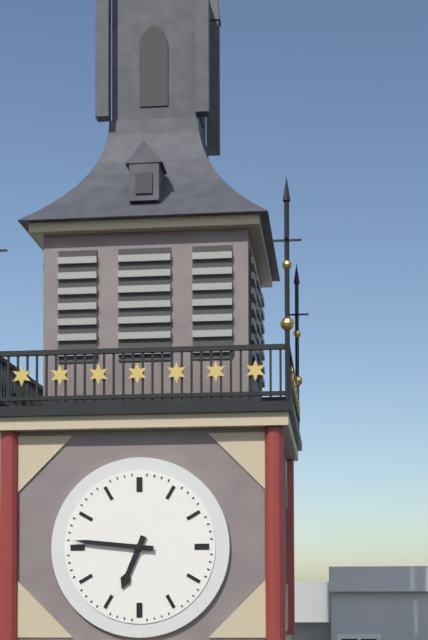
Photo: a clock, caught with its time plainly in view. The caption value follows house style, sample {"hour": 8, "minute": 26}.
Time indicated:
{"hour": 6, "minute": 46}
